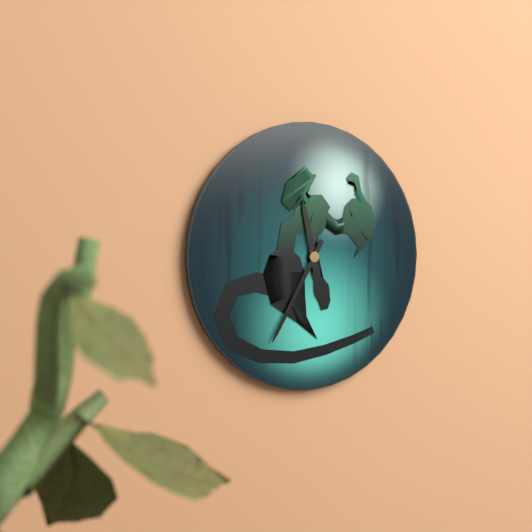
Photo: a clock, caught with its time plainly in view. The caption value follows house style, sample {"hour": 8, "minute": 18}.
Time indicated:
{"hour": 11, "minute": 35}
